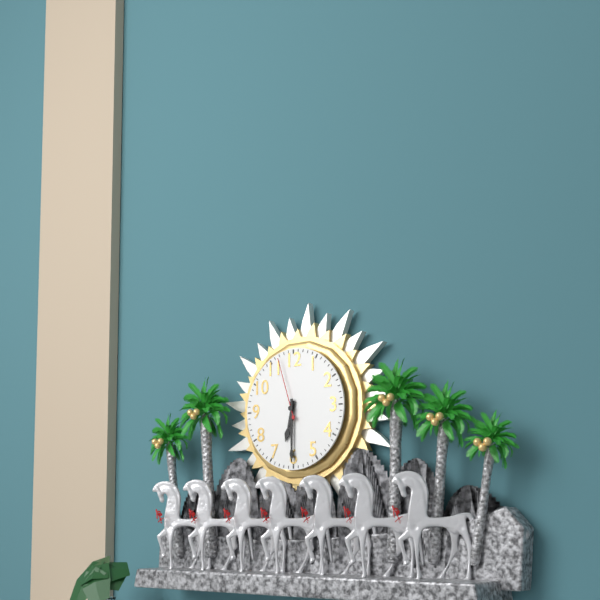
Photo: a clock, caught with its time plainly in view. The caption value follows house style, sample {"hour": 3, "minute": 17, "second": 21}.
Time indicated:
{"hour": 6, "minute": 30, "second": 57}
